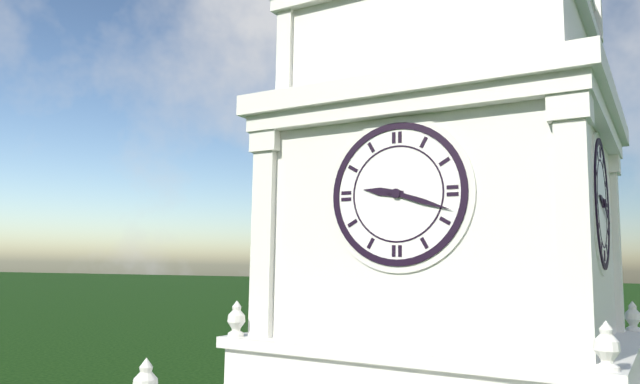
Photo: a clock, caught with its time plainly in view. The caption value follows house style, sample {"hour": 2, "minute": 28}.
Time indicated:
{"hour": 9, "minute": 18}
